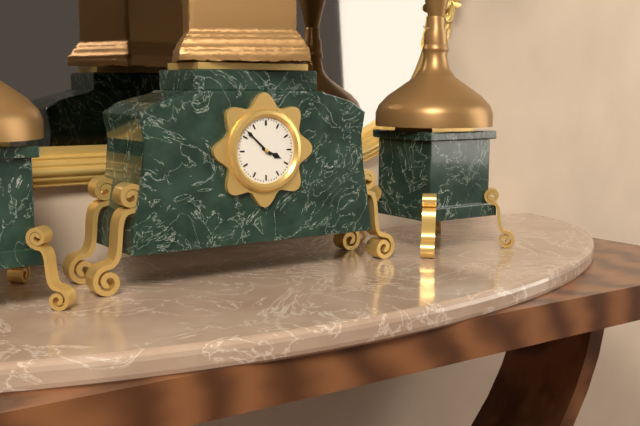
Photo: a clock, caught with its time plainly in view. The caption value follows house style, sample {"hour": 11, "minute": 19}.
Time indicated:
{"hour": 3, "minute": 52}
